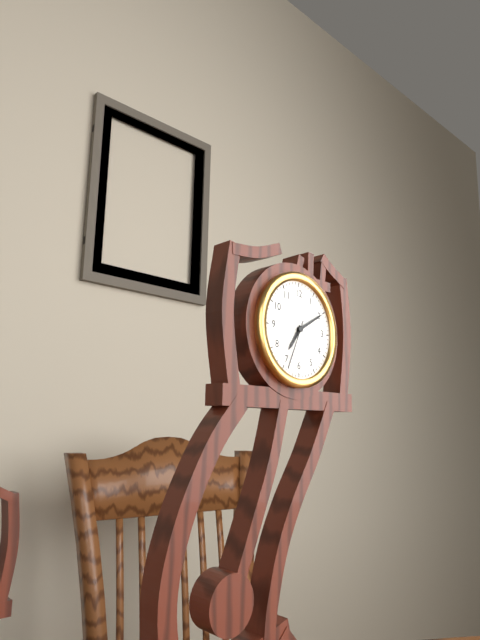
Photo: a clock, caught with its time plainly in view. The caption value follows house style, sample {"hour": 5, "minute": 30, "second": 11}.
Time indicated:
{"hour": 7, "minute": 10, "second": 34}
